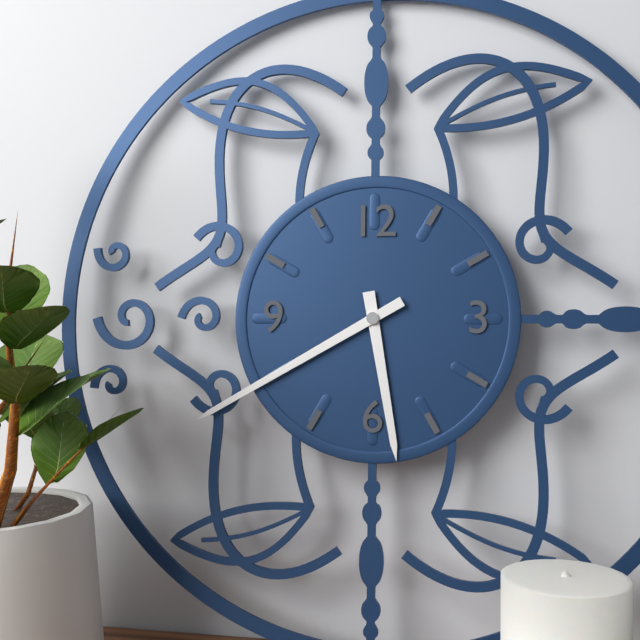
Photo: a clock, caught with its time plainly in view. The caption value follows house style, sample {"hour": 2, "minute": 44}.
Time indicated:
{"hour": 5, "minute": 40}
